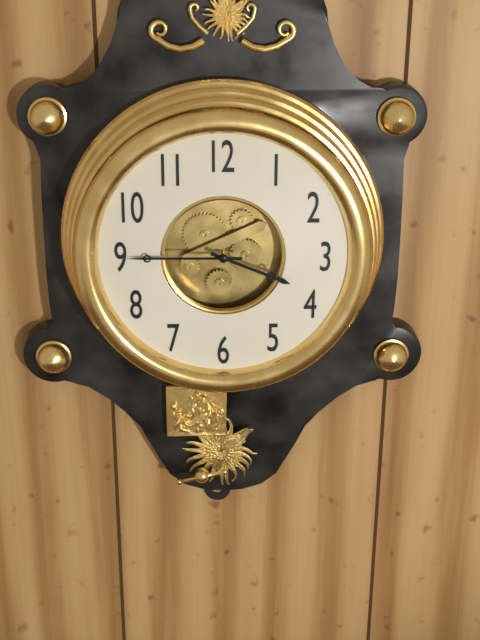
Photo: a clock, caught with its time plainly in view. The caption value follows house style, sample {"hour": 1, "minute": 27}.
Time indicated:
{"hour": 3, "minute": 45}
